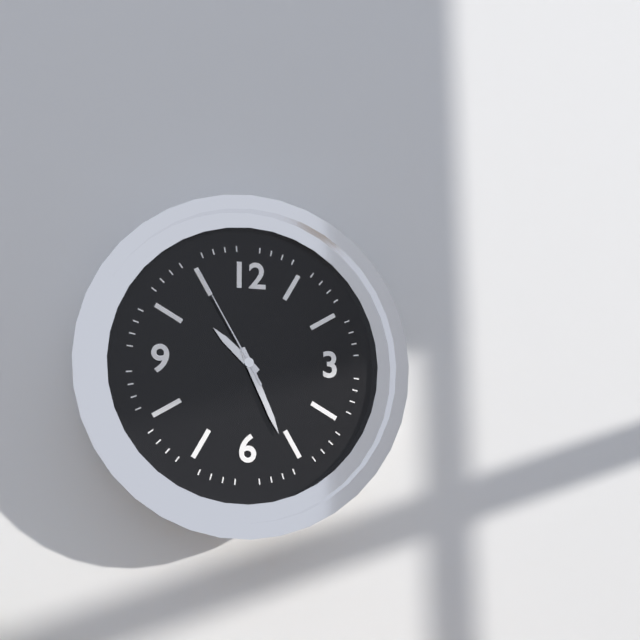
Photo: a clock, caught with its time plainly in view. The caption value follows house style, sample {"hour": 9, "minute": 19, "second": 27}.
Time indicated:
{"hour": 10, "minute": 26, "second": 55}
